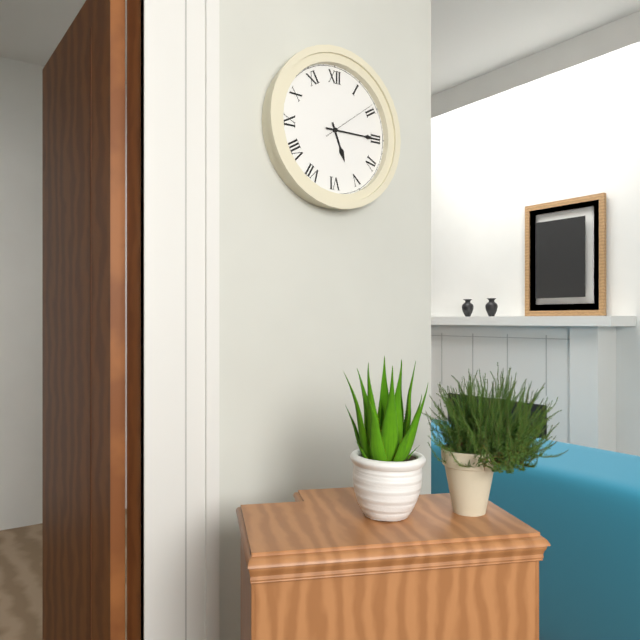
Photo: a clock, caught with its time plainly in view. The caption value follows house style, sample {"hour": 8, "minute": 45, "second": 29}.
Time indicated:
{"hour": 5, "minute": 15, "second": 9}
